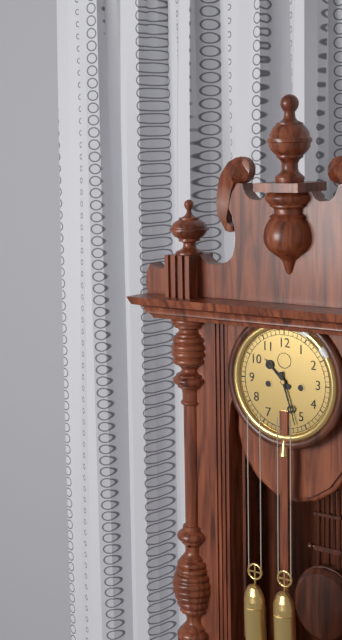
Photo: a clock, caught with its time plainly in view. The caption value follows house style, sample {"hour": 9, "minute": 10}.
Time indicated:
{"hour": 10, "minute": 27}
